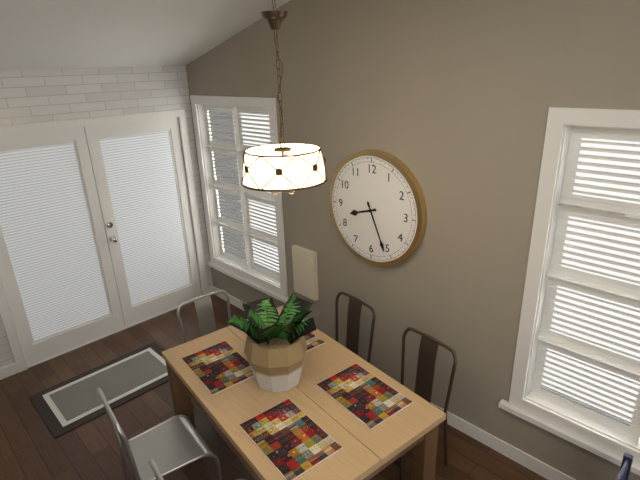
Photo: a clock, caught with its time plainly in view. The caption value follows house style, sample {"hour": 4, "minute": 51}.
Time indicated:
{"hour": 8, "minute": 26}
